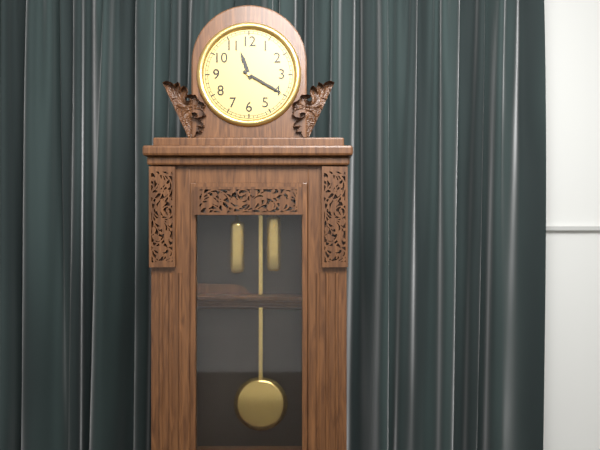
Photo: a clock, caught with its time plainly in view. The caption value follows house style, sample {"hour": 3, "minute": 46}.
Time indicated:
{"hour": 11, "minute": 20}
